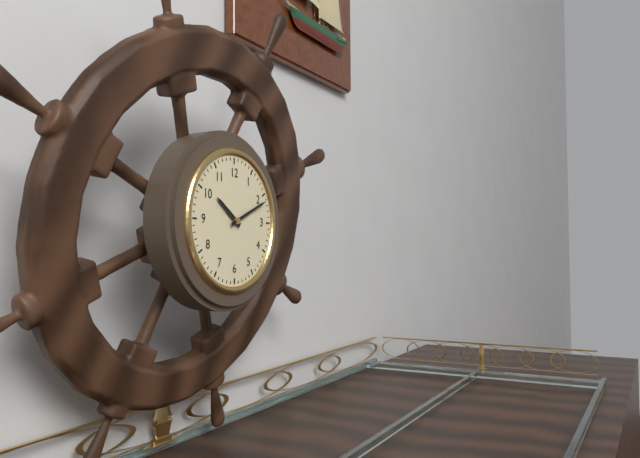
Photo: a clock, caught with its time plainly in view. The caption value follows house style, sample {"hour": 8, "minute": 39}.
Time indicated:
{"hour": 10, "minute": 11}
